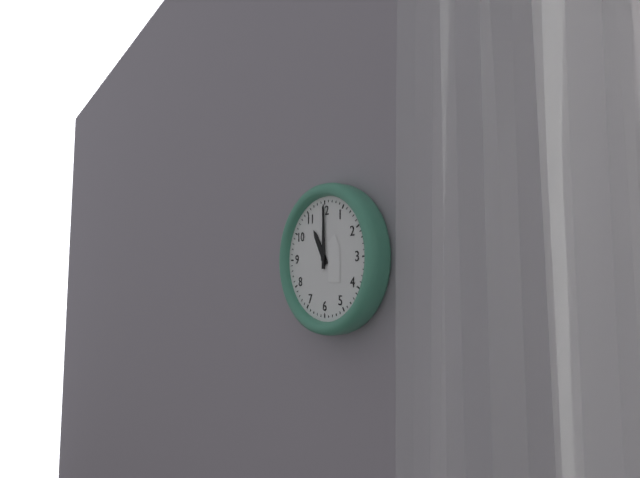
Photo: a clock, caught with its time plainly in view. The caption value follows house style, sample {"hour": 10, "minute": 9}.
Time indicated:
{"hour": 11, "minute": 0}
